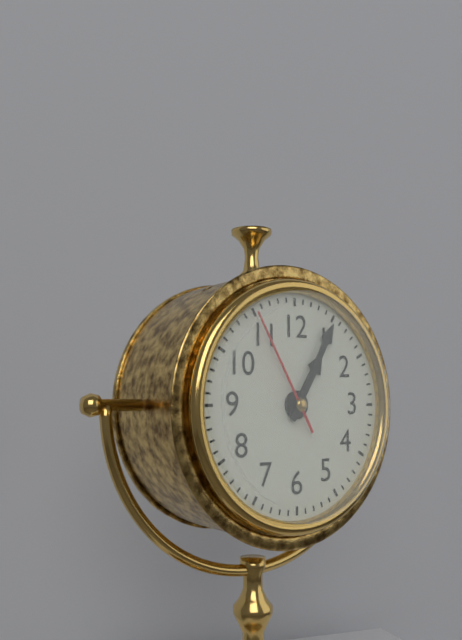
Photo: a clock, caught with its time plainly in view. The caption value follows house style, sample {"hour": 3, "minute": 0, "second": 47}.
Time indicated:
{"hour": 1, "minute": 5, "second": 55}
